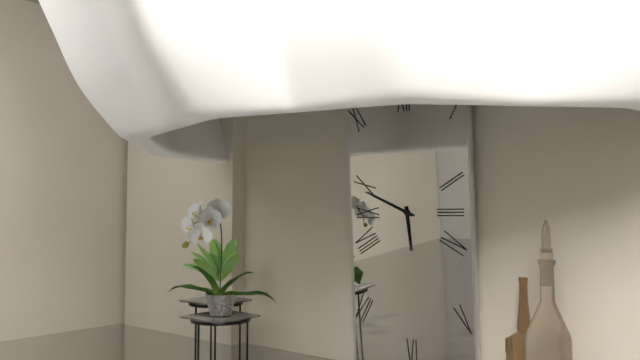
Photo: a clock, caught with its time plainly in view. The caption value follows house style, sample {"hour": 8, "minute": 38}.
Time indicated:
{"hour": 5, "minute": 49}
